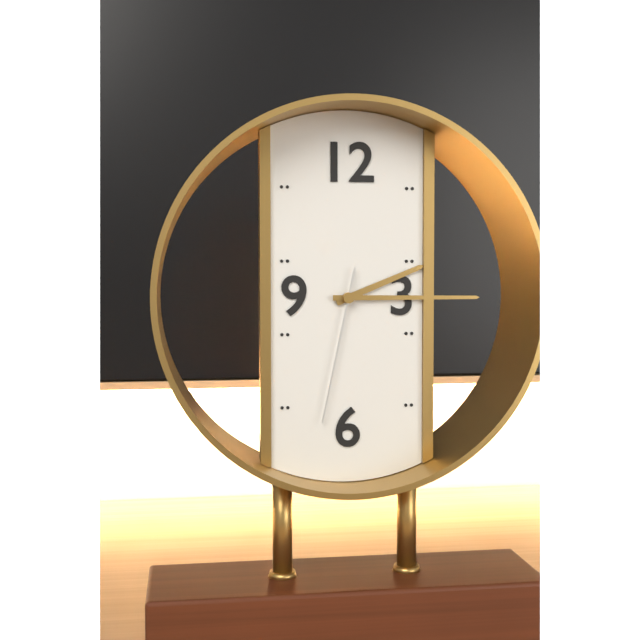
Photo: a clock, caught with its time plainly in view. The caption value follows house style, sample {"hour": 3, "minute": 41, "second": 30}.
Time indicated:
{"hour": 2, "minute": 15, "second": 32}
